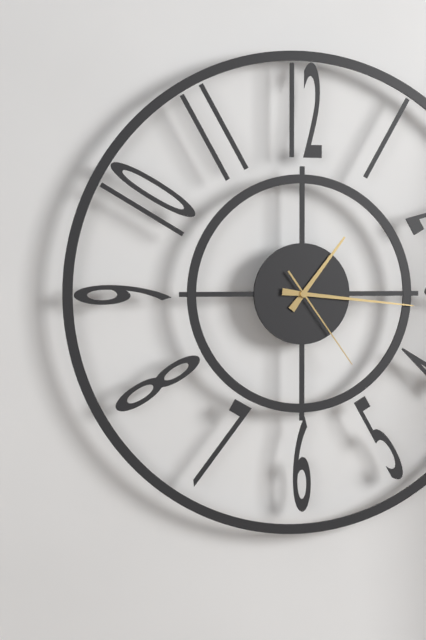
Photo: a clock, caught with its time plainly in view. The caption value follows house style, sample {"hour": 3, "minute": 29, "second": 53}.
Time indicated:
{"hour": 1, "minute": 16, "second": 24}
